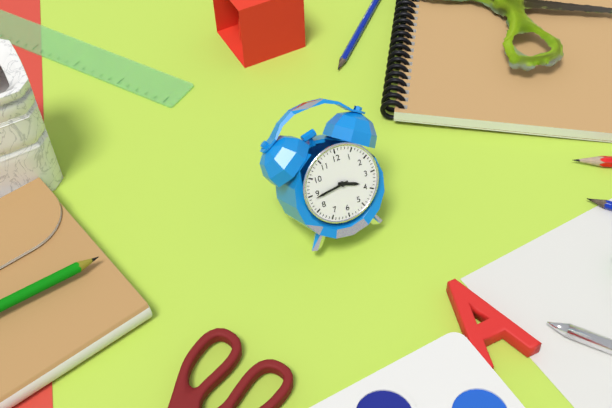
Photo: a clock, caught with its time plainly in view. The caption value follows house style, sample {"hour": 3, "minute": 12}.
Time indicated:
{"hour": 3, "minute": 44}
